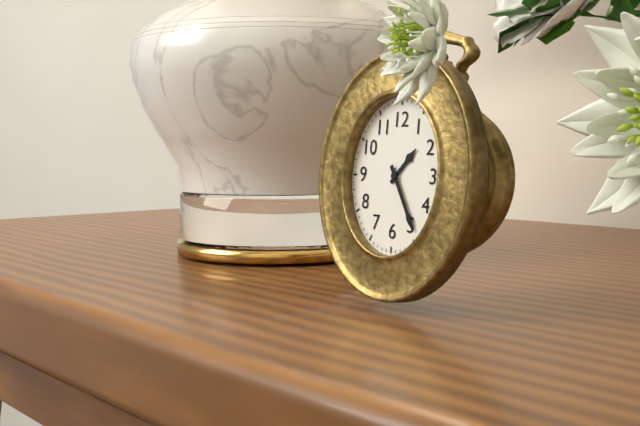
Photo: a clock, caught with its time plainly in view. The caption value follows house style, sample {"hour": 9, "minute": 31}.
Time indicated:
{"hour": 1, "minute": 25}
